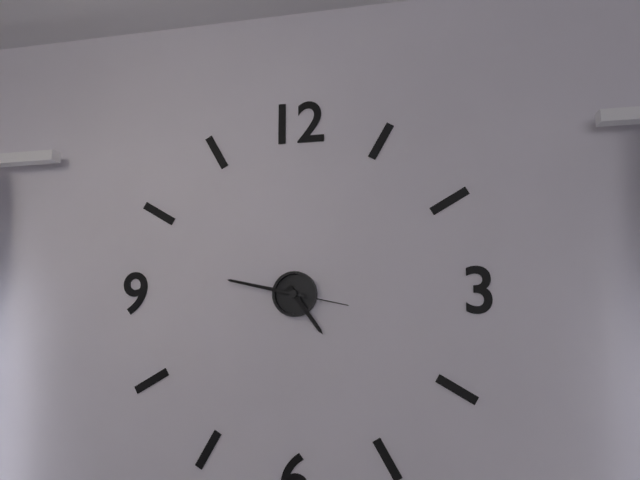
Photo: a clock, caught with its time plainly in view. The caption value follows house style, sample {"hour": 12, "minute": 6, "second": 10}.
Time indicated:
{"hour": 4, "minute": 47, "second": 17}
